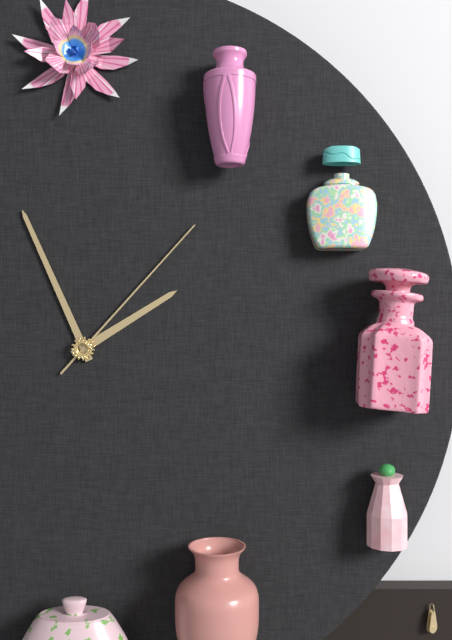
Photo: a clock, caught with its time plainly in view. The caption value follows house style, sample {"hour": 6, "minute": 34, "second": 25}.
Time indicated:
{"hour": 1, "minute": 56, "second": 7}
